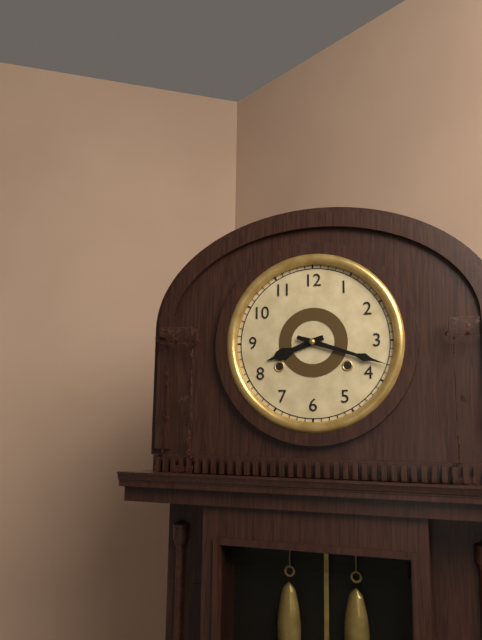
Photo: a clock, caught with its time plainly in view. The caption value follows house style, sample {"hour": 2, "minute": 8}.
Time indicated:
{"hour": 8, "minute": 18}
